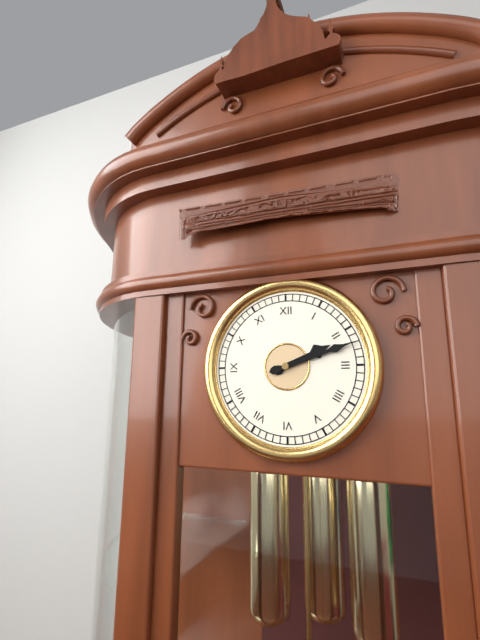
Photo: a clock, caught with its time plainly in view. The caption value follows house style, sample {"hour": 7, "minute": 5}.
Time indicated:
{"hour": 2, "minute": 12}
